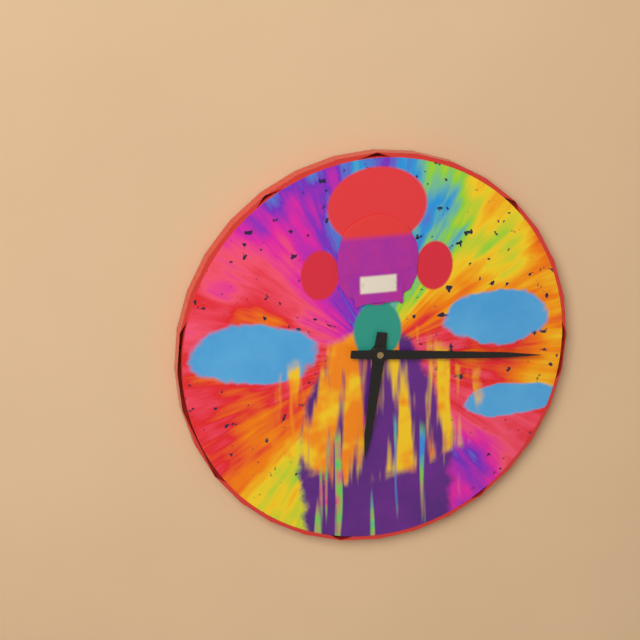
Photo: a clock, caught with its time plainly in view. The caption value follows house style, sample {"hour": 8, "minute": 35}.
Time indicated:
{"hour": 6, "minute": 16}
